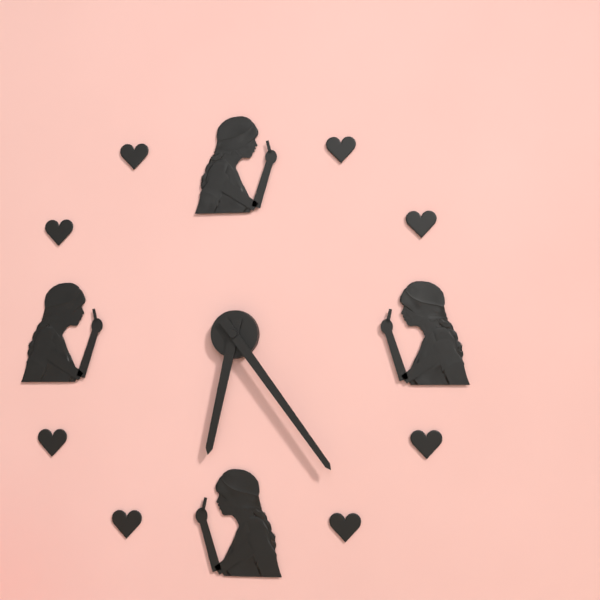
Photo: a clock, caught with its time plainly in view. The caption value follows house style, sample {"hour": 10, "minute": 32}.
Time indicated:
{"hour": 6, "minute": 24}
